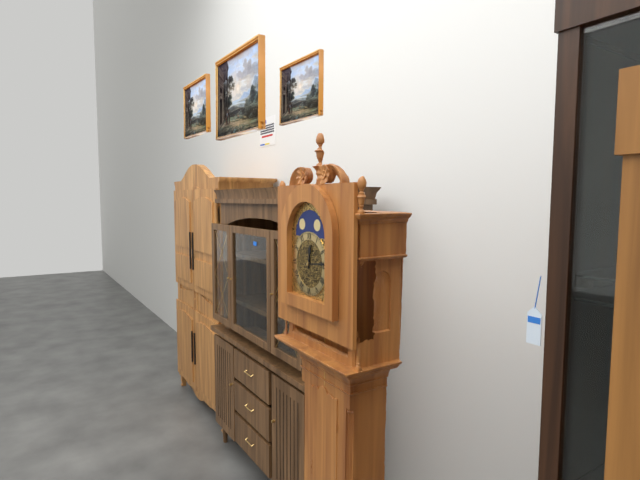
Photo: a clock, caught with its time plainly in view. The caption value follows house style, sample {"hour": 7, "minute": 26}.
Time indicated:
{"hour": 12, "minute": 14}
